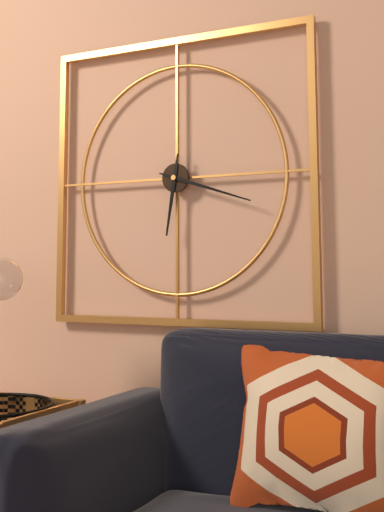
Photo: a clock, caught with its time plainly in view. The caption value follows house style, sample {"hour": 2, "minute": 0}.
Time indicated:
{"hour": 6, "minute": 18}
